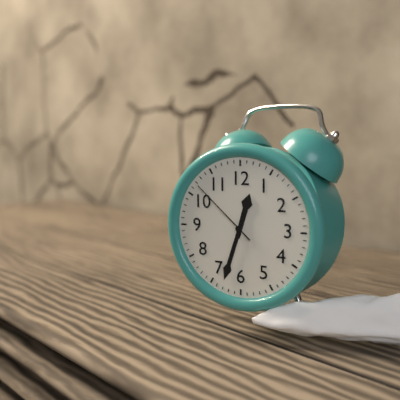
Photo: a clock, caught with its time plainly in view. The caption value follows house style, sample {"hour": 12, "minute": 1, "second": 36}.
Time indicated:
{"hour": 12, "minute": 33, "second": 52}
